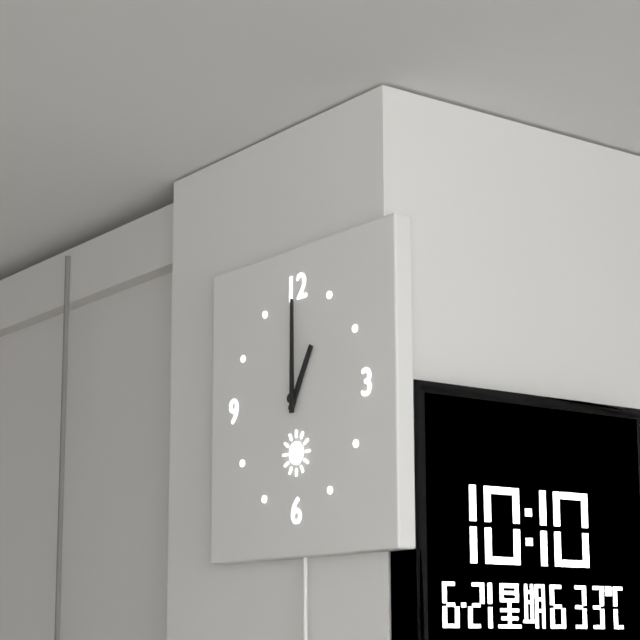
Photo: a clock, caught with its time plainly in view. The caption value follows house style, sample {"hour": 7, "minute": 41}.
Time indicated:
{"hour": 1, "minute": 0}
